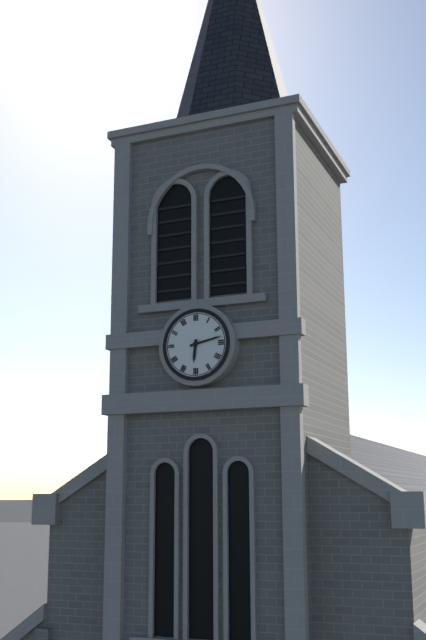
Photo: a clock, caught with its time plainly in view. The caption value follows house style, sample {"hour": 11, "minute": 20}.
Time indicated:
{"hour": 6, "minute": 13}
